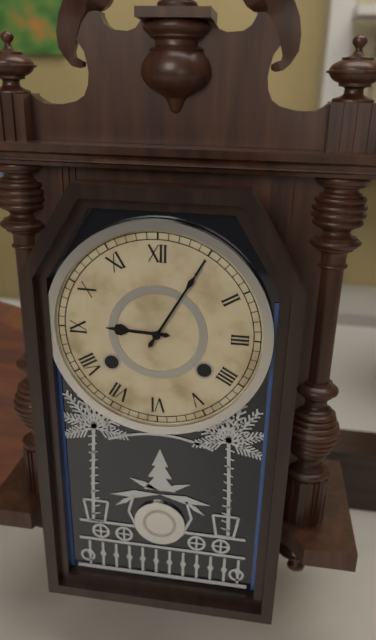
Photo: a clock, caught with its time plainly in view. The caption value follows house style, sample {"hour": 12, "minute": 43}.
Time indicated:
{"hour": 9, "minute": 5}
